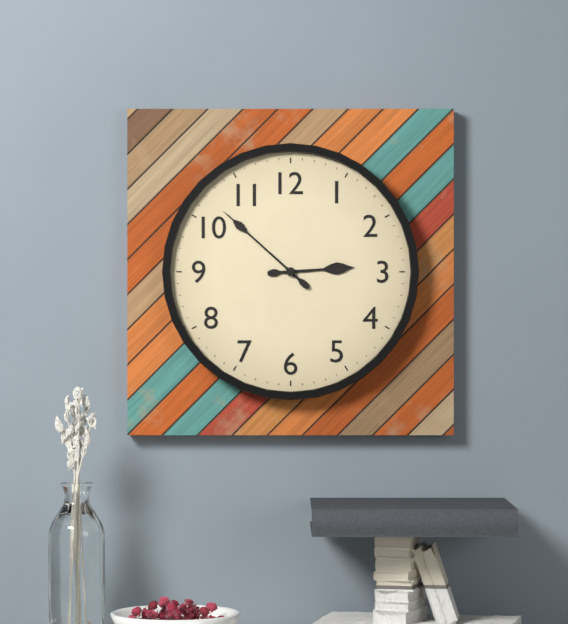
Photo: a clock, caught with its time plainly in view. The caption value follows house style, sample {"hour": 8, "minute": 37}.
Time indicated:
{"hour": 2, "minute": 52}
